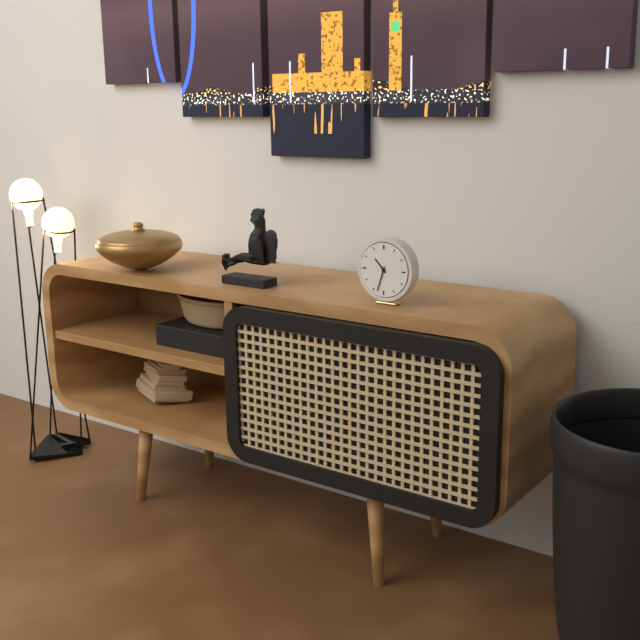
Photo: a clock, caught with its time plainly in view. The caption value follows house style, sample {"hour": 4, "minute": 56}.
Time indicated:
{"hour": 10, "minute": 33}
